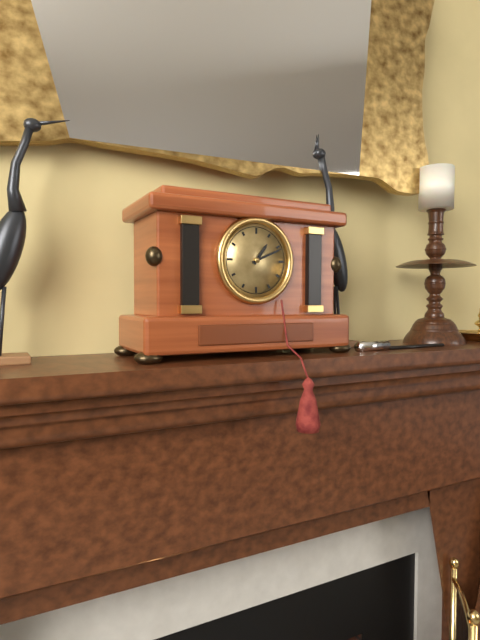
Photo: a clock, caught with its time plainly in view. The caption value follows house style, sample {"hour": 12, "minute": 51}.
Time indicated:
{"hour": 1, "minute": 11}
